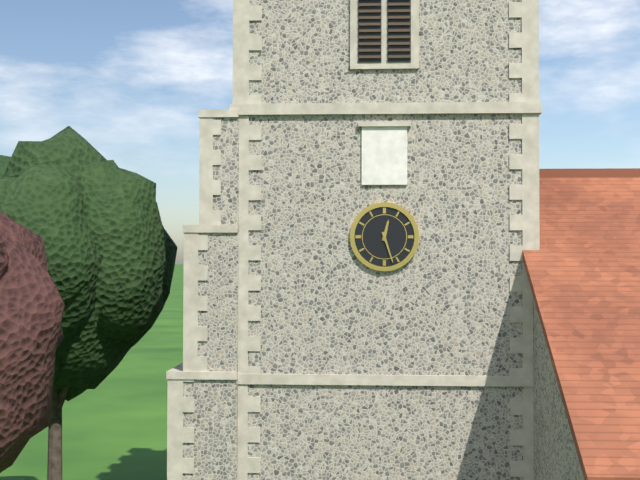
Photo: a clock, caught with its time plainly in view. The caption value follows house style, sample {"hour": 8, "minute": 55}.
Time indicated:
{"hour": 12, "minute": 27}
